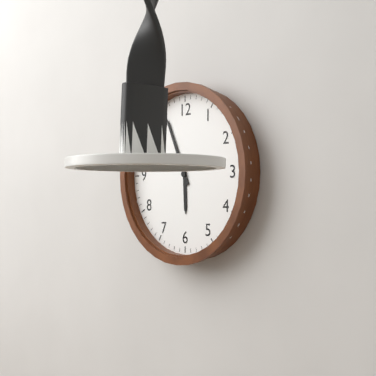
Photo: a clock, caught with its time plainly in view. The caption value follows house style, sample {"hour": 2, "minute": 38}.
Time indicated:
{"hour": 5, "minute": 56}
